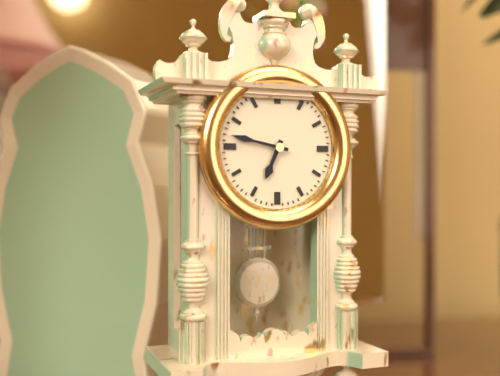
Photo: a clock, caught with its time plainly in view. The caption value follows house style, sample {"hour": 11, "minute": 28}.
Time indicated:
{"hour": 6, "minute": 47}
